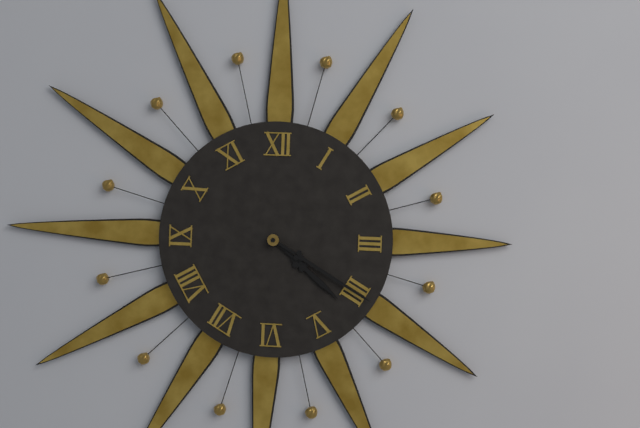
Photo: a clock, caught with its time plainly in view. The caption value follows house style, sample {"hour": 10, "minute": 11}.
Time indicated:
{"hour": 4, "minute": 20}
